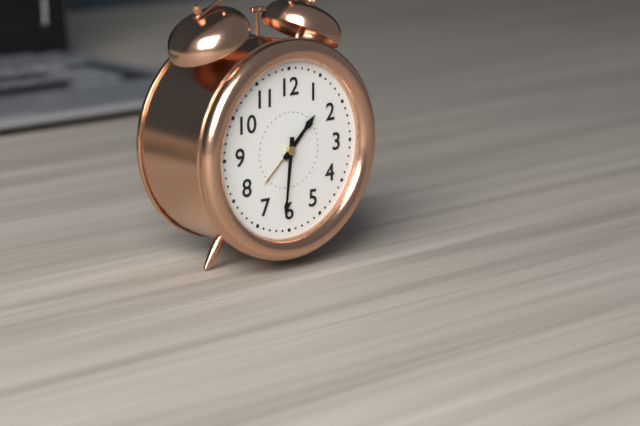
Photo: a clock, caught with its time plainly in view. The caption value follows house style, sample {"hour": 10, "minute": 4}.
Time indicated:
{"hour": 1, "minute": 31}
